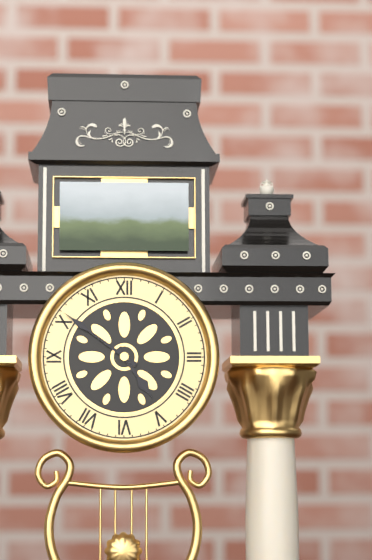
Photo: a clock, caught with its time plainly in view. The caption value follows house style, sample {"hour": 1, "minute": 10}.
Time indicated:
{"hour": 4, "minute": 51}
